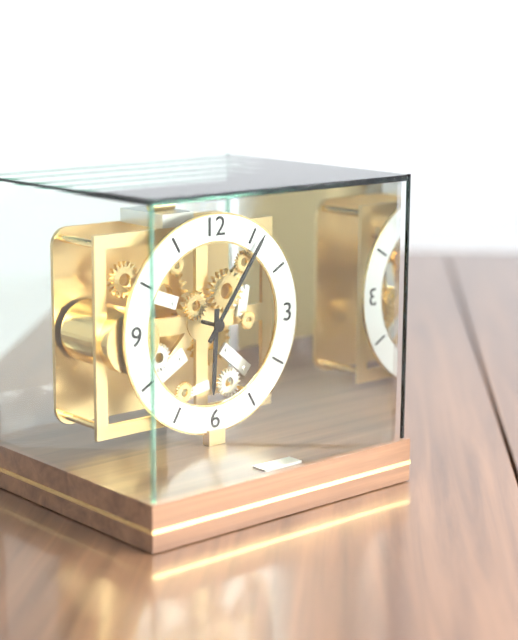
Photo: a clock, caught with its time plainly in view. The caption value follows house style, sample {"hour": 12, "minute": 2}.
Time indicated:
{"hour": 6, "minute": 6}
